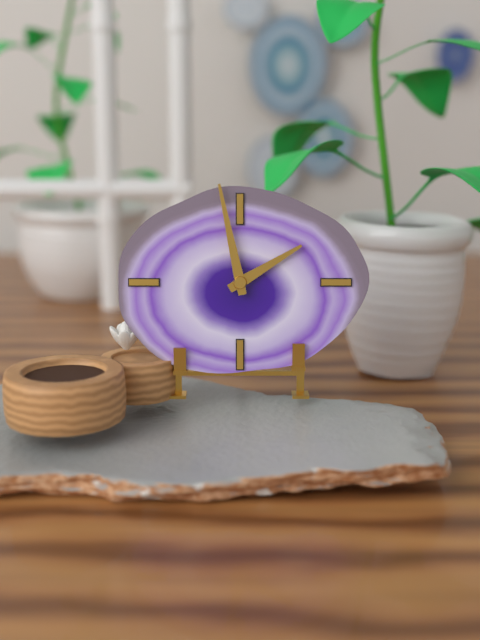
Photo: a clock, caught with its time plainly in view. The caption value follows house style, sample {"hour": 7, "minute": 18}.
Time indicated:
{"hour": 1, "minute": 58}
